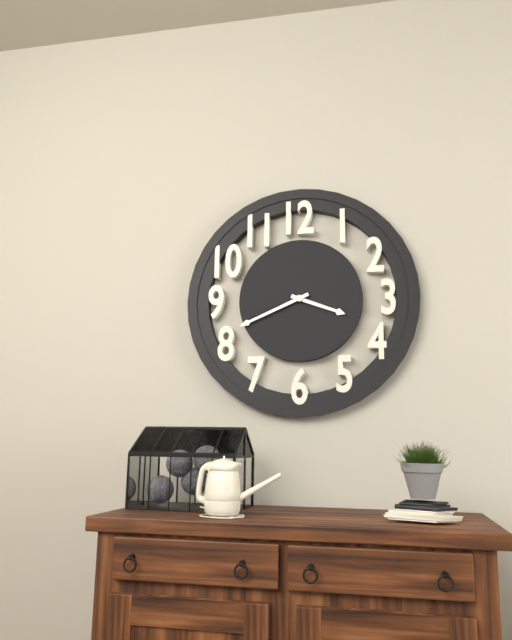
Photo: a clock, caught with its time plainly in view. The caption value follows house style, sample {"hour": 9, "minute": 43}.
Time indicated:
{"hour": 3, "minute": 41}
